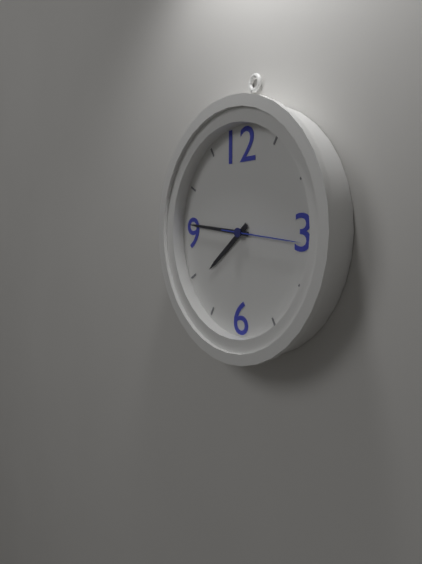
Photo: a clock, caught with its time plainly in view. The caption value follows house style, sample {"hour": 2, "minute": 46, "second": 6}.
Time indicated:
{"hour": 7, "minute": 46, "second": 16}
